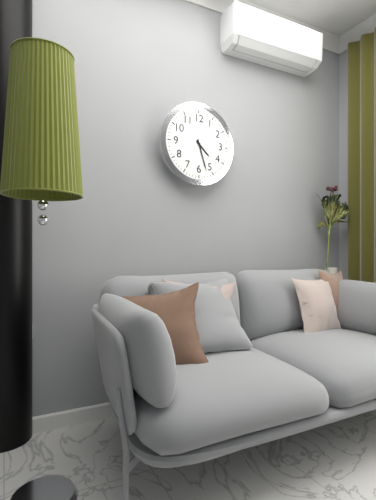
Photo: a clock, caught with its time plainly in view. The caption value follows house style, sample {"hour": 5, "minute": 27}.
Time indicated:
{"hour": 4, "minute": 27}
